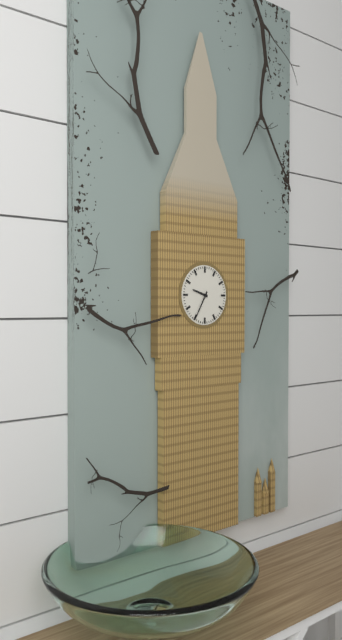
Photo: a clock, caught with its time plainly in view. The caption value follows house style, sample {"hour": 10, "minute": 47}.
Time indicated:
{"hour": 9, "minute": 35}
